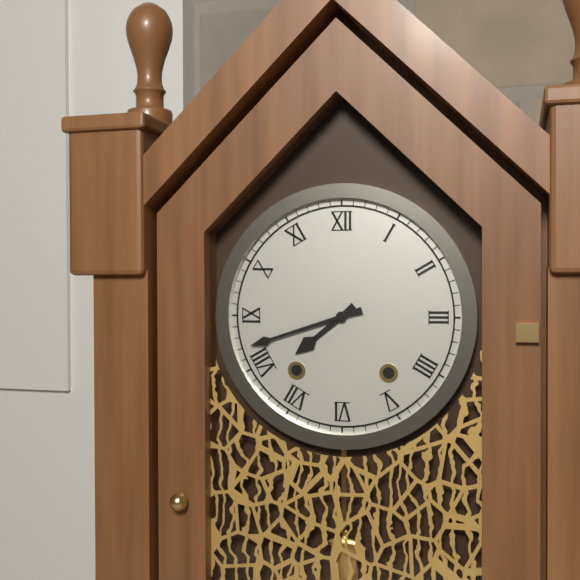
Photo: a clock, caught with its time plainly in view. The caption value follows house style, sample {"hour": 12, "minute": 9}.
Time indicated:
{"hour": 7, "minute": 42}
